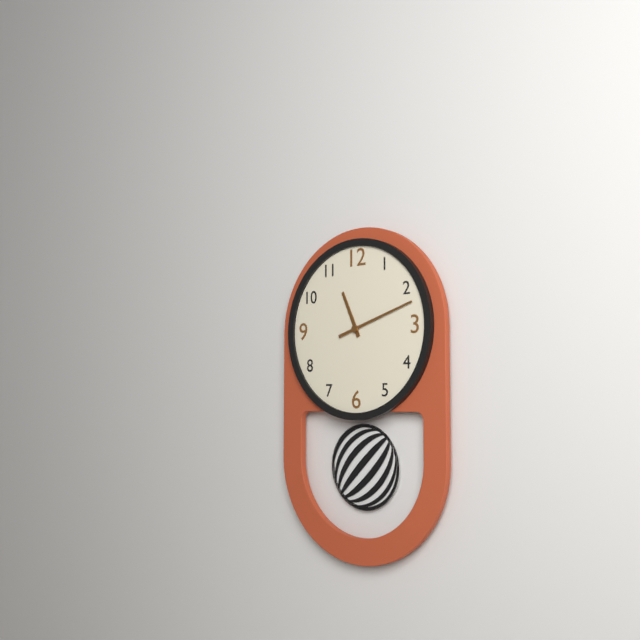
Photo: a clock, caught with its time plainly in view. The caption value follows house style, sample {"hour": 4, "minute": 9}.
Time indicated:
{"hour": 11, "minute": 12}
